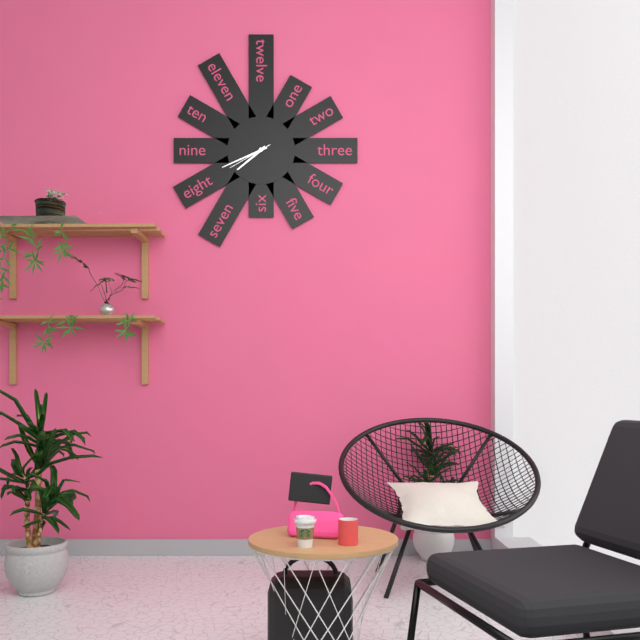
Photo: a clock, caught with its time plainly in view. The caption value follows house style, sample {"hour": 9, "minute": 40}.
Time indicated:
{"hour": 7, "minute": 41}
